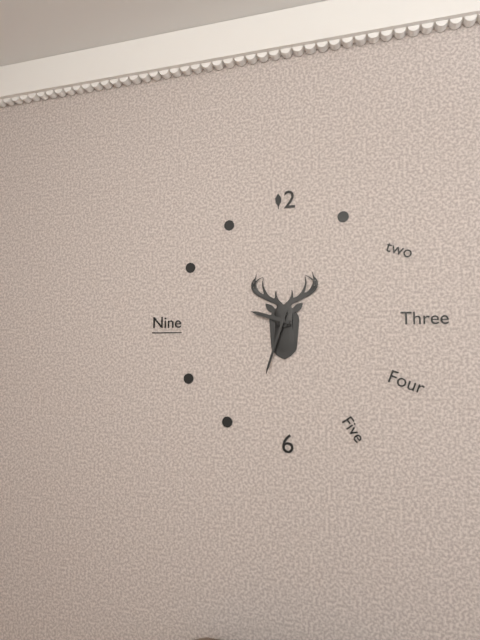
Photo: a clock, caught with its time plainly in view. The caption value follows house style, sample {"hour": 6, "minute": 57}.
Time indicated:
{"hour": 9, "minute": 33}
